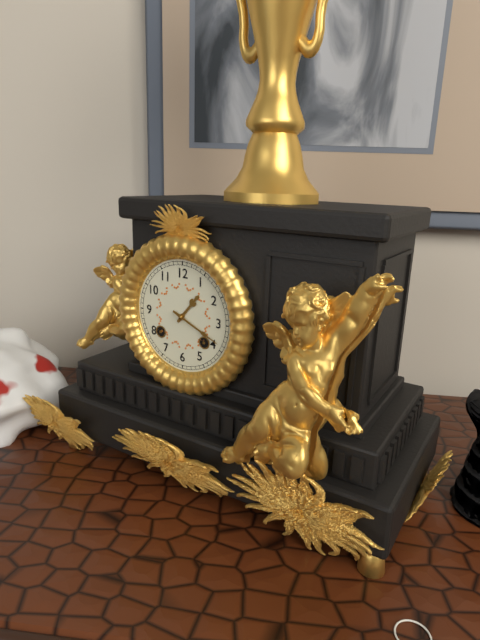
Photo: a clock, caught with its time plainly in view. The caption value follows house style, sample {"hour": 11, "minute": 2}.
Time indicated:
{"hour": 1, "minute": 19}
